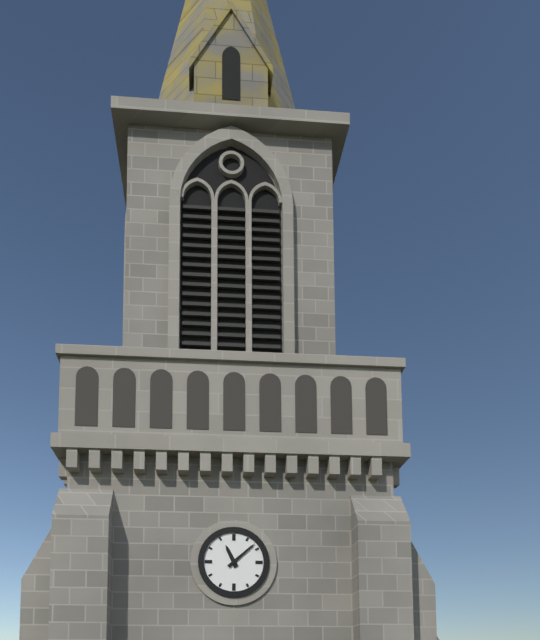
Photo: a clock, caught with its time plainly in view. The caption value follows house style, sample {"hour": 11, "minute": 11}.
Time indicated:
{"hour": 11, "minute": 8}
